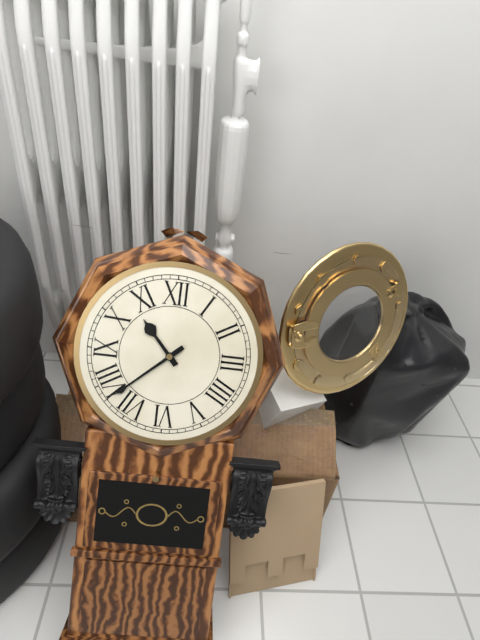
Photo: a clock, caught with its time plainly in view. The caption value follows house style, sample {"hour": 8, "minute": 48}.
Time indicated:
{"hour": 10, "minute": 38}
